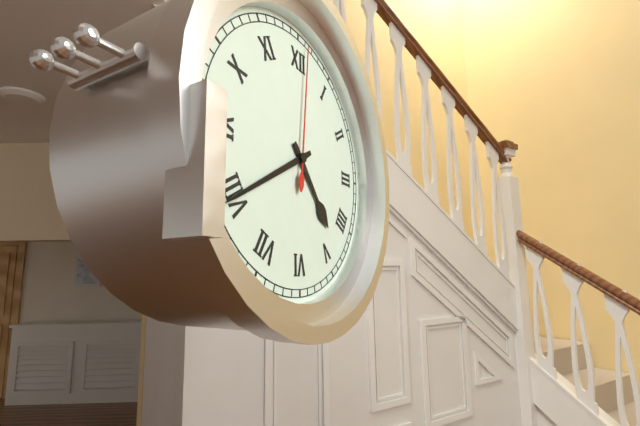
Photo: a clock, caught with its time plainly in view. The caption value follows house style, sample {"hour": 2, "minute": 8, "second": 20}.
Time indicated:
{"hour": 4, "minute": 40, "second": 1}
